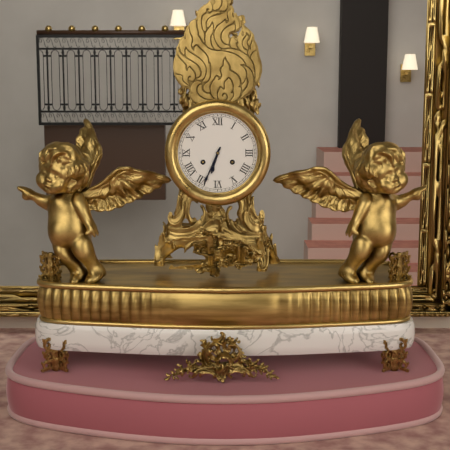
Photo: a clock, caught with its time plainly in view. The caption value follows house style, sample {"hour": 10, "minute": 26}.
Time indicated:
{"hour": 6, "minute": 34}
